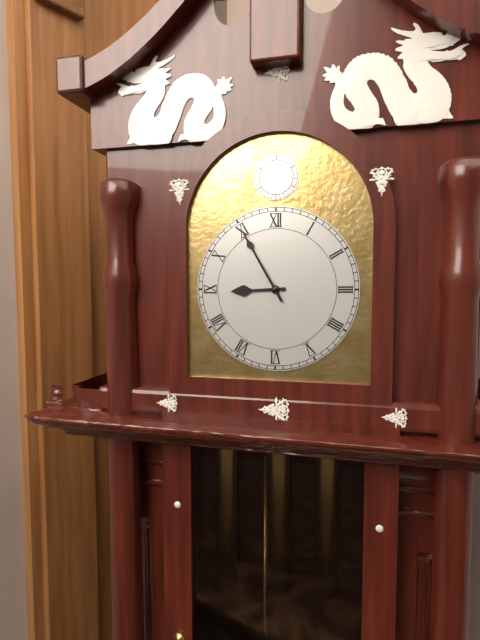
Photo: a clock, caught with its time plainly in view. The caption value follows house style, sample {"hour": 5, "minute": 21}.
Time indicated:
{"hour": 8, "minute": 55}
